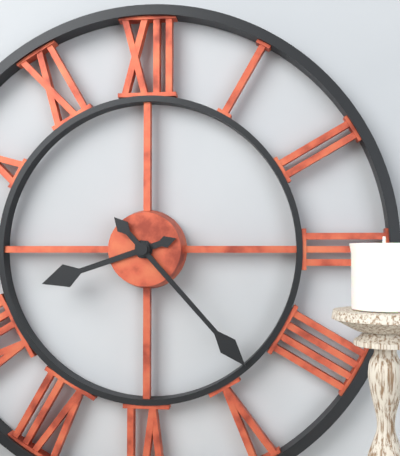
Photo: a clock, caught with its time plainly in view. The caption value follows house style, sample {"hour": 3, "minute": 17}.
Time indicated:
{"hour": 8, "minute": 23}
